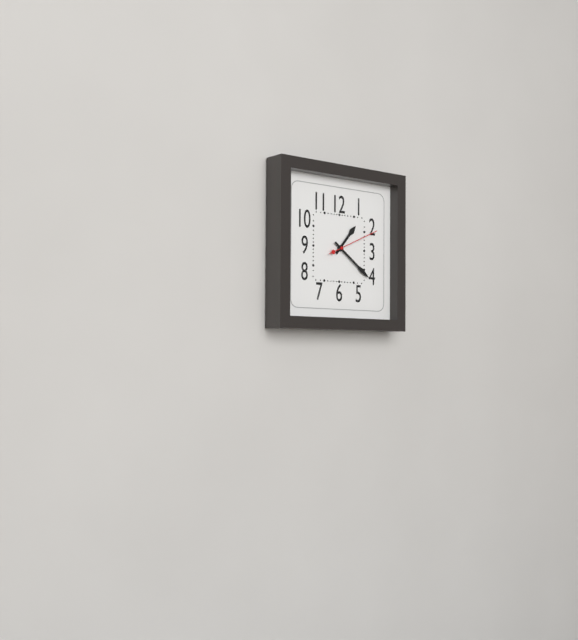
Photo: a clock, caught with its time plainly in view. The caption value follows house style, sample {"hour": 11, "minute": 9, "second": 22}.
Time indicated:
{"hour": 1, "minute": 21, "second": 11}
